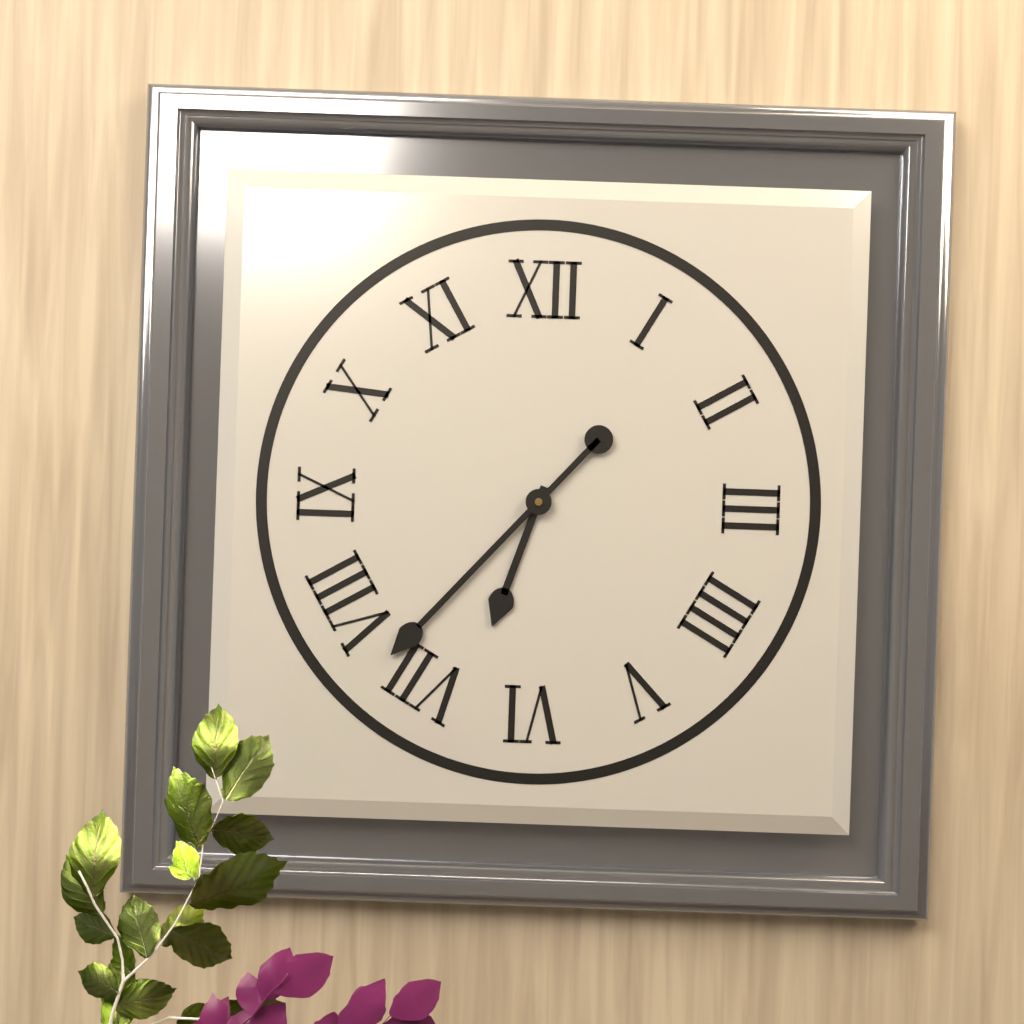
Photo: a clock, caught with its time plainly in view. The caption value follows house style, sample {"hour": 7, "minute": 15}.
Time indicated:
{"hour": 6, "minute": 37}
